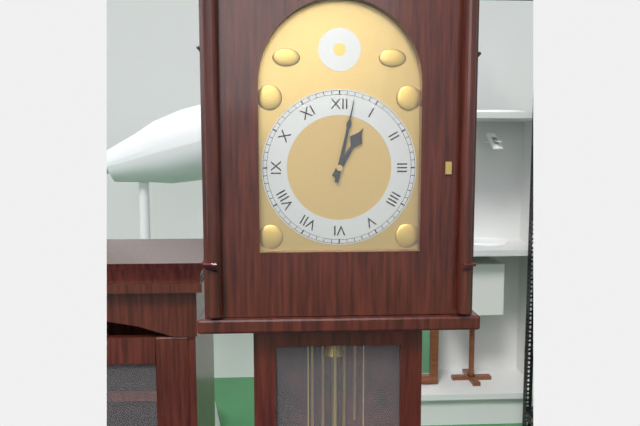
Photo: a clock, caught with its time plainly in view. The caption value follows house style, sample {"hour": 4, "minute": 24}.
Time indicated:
{"hour": 1, "minute": 2}
